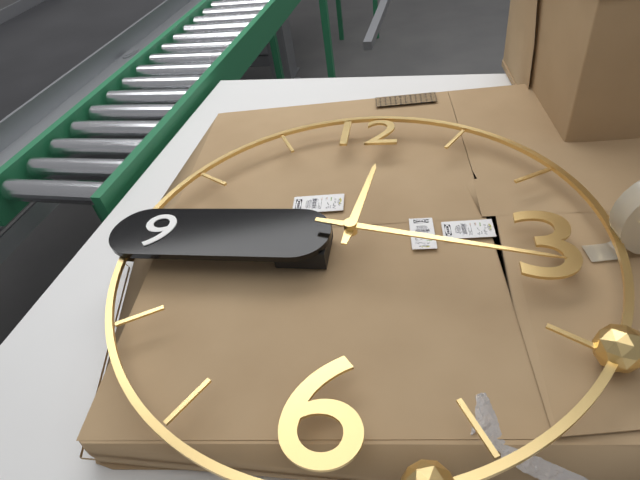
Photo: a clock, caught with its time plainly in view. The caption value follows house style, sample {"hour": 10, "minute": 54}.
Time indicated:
{"hour": 12, "minute": 17}
